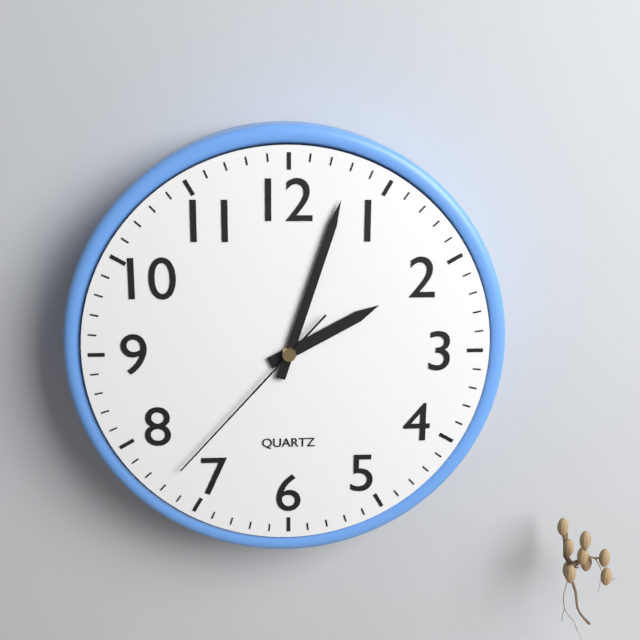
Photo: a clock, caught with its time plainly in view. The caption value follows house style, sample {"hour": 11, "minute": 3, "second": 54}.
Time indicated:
{"hour": 2, "minute": 3, "second": 37}
